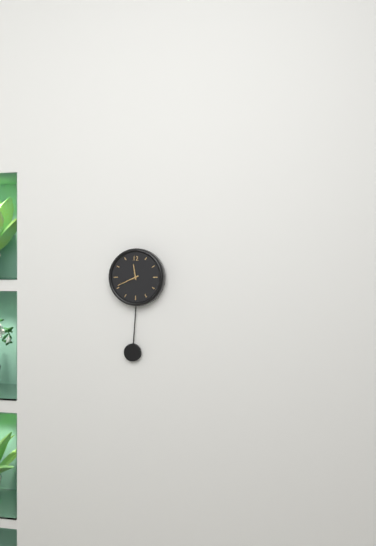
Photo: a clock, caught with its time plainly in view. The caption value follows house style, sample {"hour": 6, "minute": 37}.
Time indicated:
{"hour": 11, "minute": 41}
